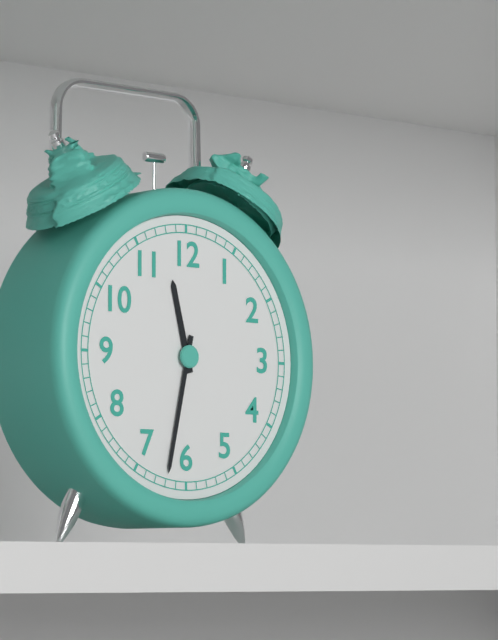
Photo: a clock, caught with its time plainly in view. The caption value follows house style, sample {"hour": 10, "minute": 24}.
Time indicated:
{"hour": 11, "minute": 32}
